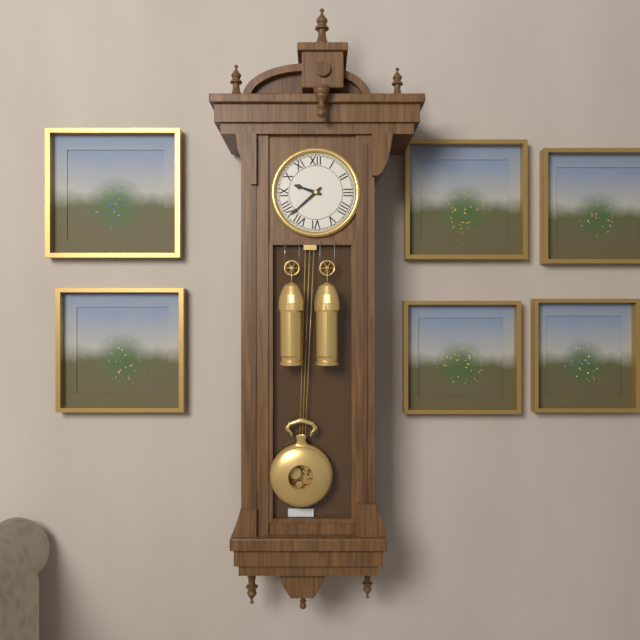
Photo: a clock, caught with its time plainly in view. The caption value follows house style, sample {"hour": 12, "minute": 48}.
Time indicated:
{"hour": 9, "minute": 38}
